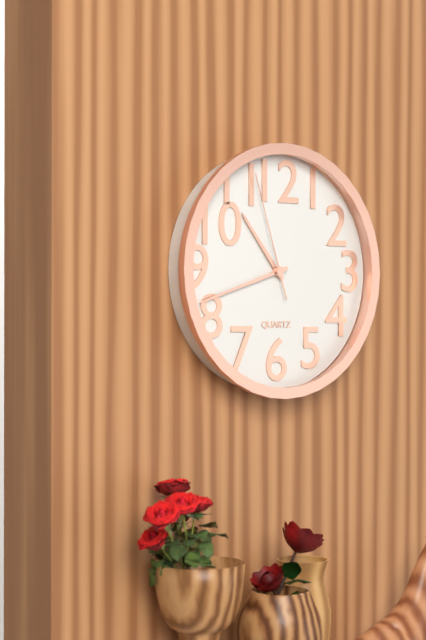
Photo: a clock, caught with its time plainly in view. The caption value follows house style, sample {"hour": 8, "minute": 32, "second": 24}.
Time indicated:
{"hour": 10, "minute": 42, "second": 57}
